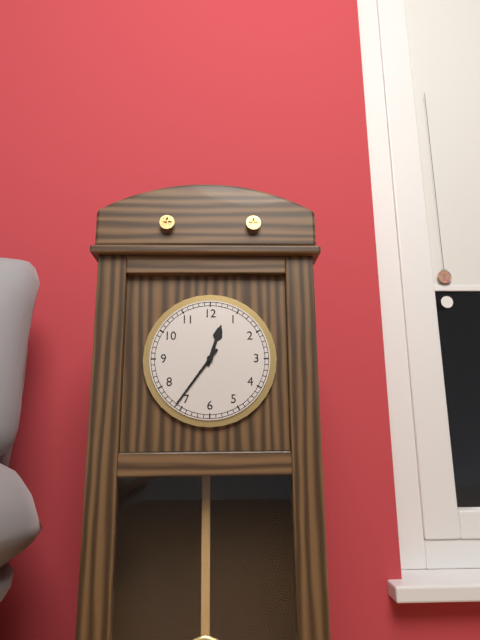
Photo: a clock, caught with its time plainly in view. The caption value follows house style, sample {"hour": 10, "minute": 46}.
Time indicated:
{"hour": 12, "minute": 36}
